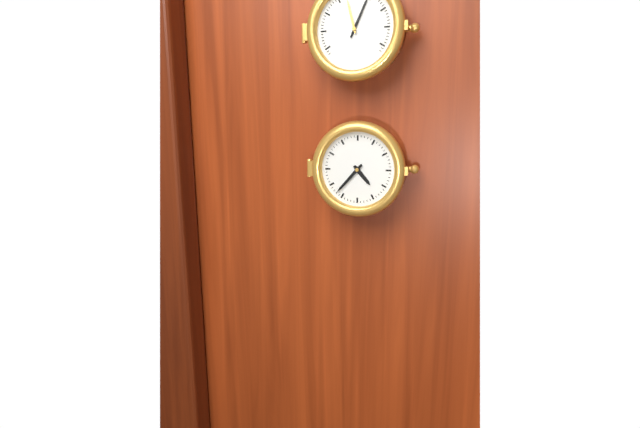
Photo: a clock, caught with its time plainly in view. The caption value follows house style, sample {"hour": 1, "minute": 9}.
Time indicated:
{"hour": 4, "minute": 37}
